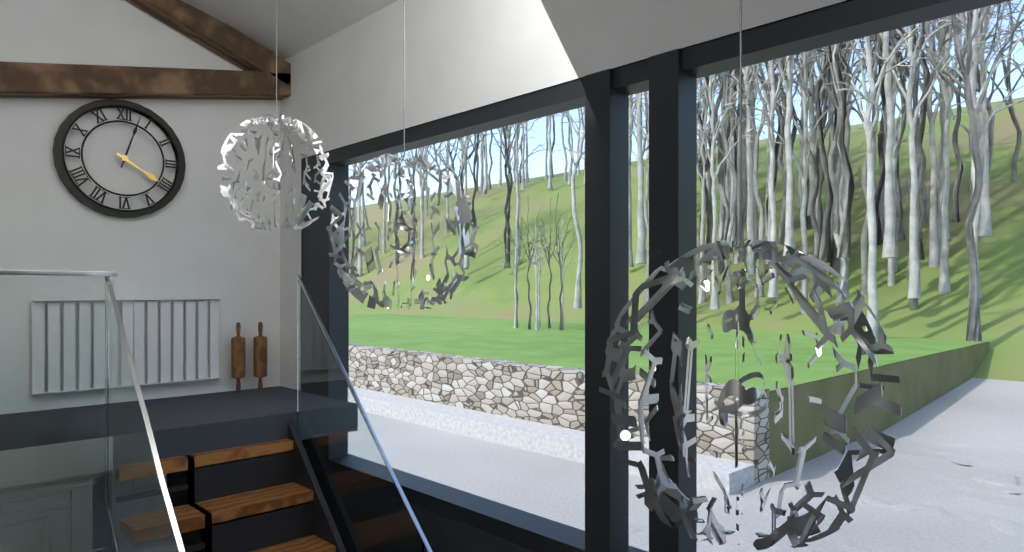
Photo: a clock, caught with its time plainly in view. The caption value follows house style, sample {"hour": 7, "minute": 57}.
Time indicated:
{"hour": 4, "minute": 3}
